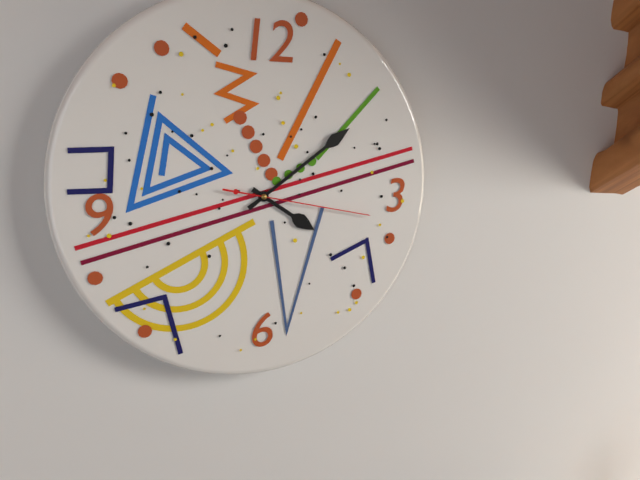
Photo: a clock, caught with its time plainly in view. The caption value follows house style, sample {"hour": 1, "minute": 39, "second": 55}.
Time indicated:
{"hour": 4, "minute": 9, "second": 17}
